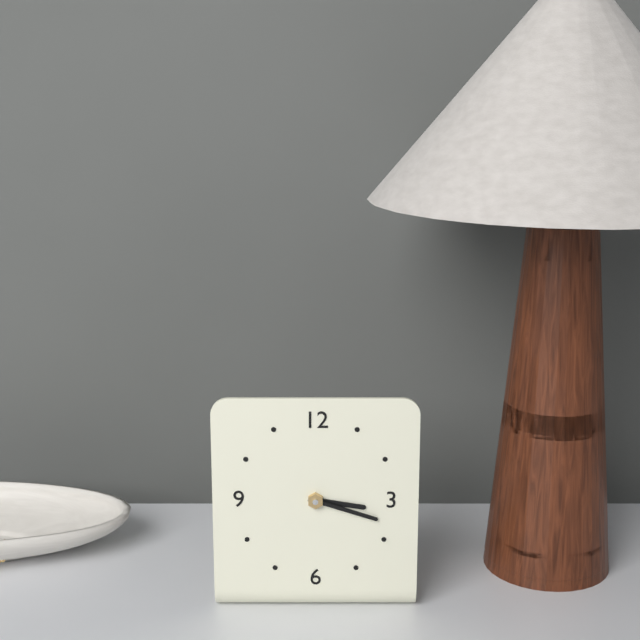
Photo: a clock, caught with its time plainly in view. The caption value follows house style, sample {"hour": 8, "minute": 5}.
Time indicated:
{"hour": 3, "minute": 18}
